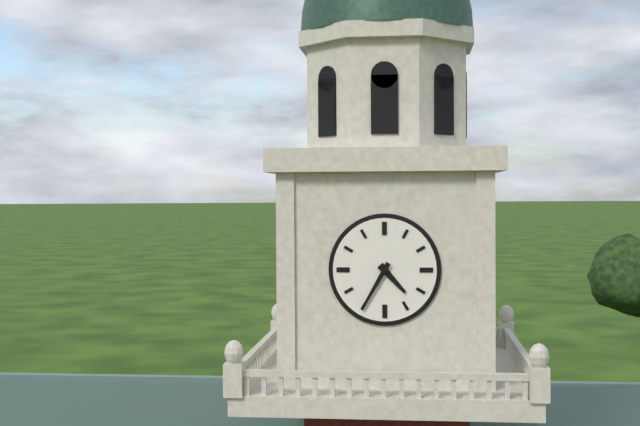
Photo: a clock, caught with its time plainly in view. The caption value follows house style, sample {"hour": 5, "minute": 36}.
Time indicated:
{"hour": 4, "minute": 35}
